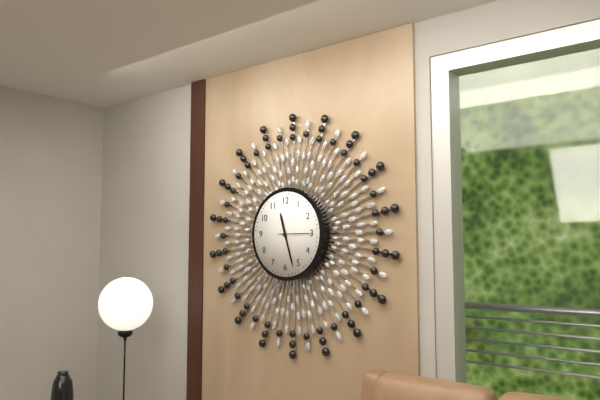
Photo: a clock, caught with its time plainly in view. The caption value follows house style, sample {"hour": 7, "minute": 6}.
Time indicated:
{"hour": 11, "minute": 27}
